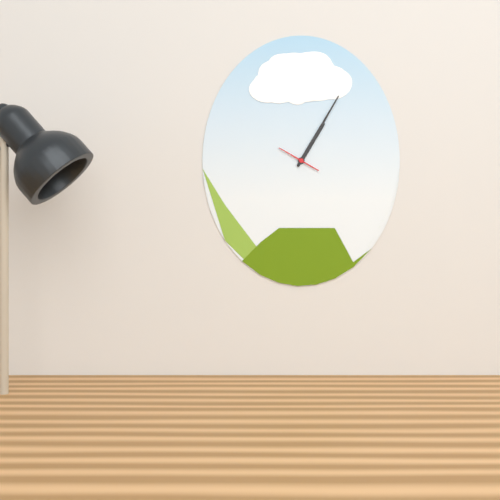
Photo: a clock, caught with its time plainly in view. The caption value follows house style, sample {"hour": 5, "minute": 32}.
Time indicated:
{"hour": 1, "minute": 5}
